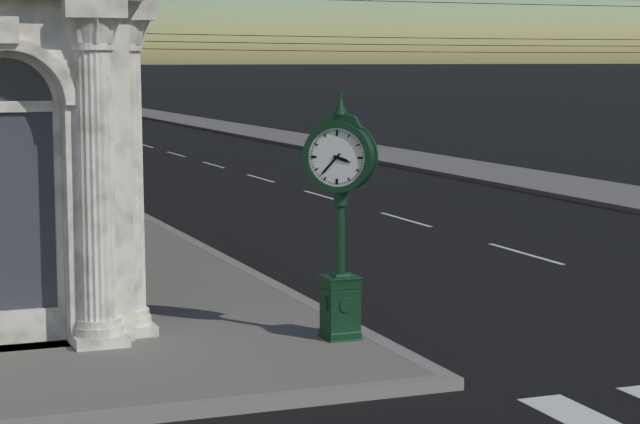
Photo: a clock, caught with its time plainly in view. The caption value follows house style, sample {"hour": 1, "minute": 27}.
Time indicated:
{"hour": 3, "minute": 37}
